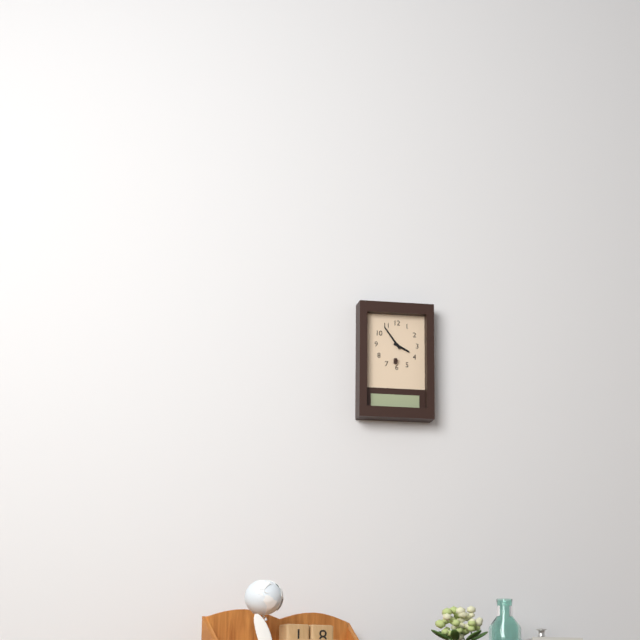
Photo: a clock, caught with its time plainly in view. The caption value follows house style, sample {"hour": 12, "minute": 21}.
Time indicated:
{"hour": 3, "minute": 54}
